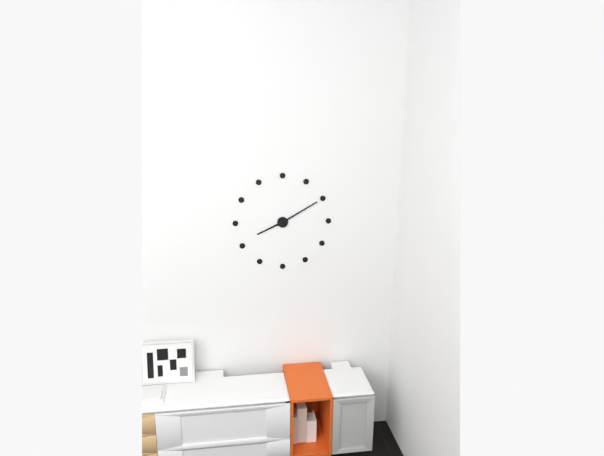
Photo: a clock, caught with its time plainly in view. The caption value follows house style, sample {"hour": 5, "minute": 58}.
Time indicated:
{"hour": 8, "minute": 10}
